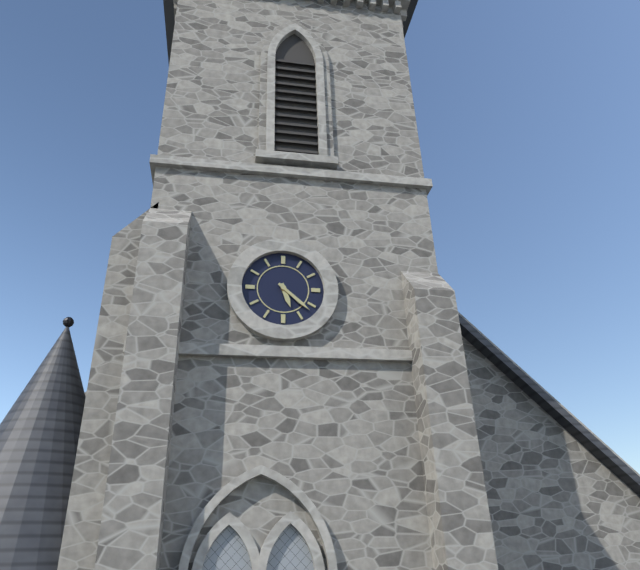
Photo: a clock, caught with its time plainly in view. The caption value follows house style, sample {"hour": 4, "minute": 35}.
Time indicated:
{"hour": 5, "minute": 22}
